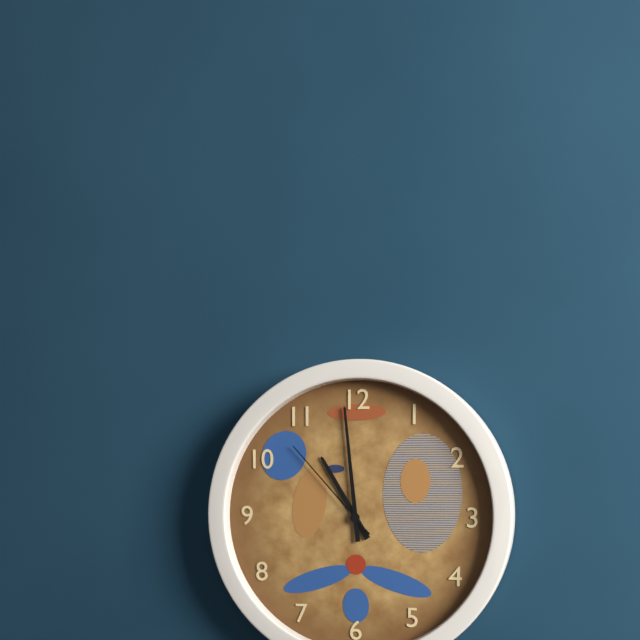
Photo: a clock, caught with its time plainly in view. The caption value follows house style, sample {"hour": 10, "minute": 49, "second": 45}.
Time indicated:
{"hour": 10, "minute": 59, "second": 53}
